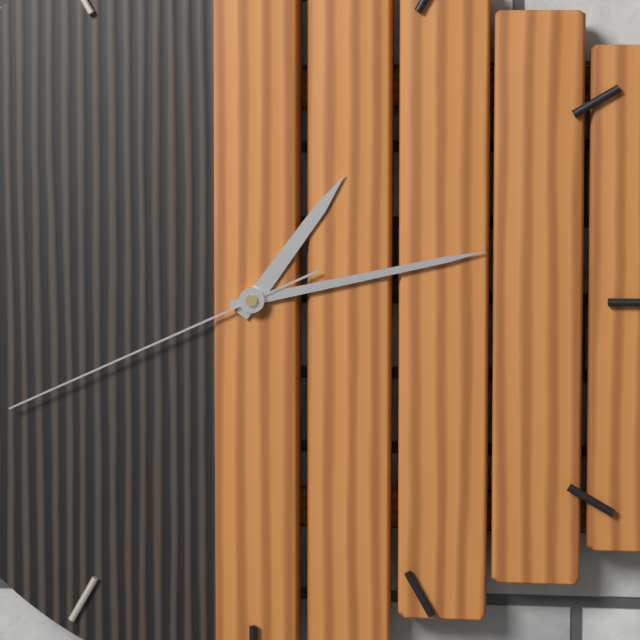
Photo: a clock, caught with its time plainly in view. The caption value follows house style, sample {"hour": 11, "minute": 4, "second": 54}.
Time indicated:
{"hour": 1, "minute": 13, "second": 41}
